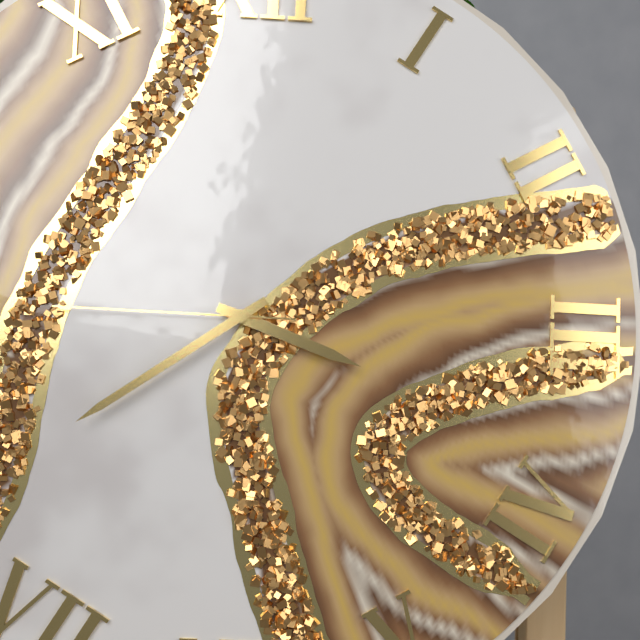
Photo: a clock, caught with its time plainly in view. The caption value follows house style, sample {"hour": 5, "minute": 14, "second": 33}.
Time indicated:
{"hour": 3, "minute": 39, "second": 45}
